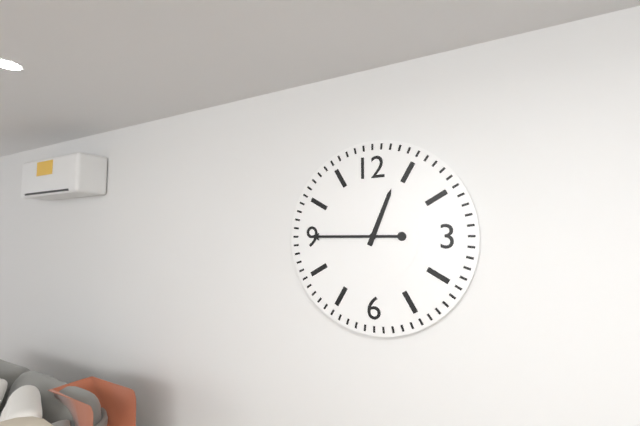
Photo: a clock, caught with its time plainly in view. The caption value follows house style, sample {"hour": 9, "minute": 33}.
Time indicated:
{"hour": 12, "minute": 45}
